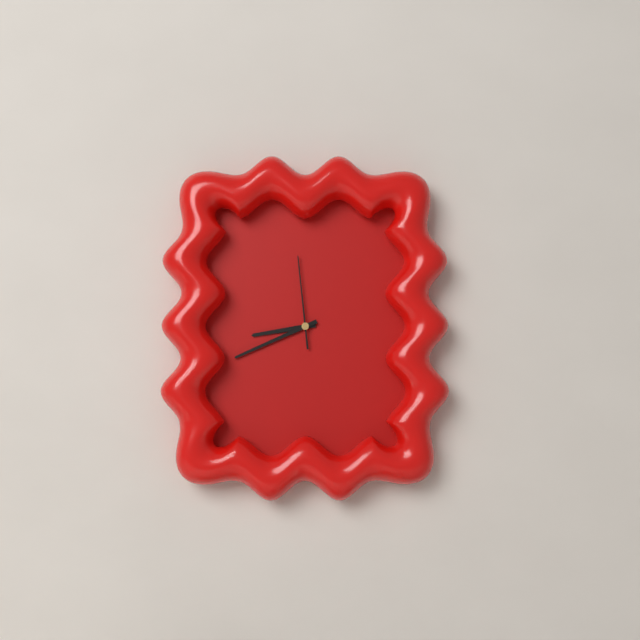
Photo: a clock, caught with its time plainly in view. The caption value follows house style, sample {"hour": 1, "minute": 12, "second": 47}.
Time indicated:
{"hour": 8, "minute": 41, "second": 59}
